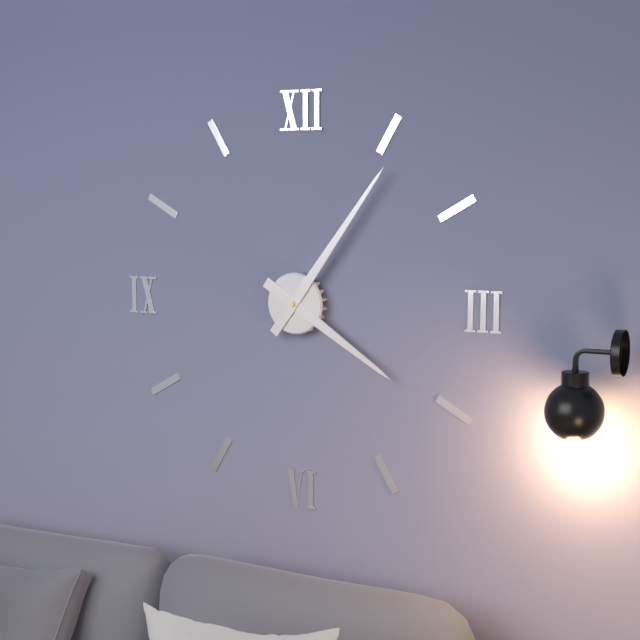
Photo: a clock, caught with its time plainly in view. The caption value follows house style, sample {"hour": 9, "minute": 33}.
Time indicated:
{"hour": 4, "minute": 6}
